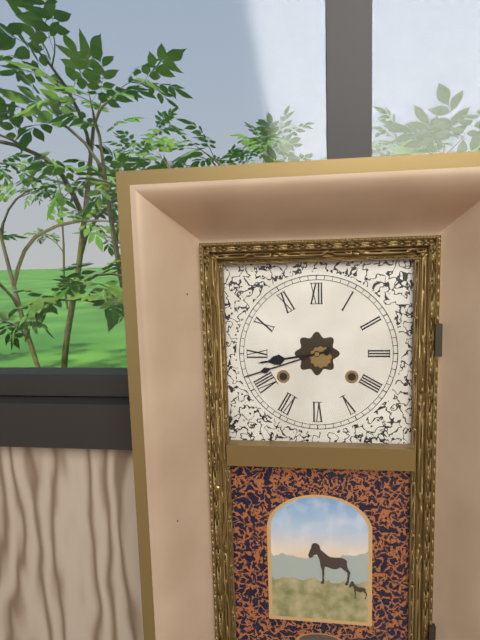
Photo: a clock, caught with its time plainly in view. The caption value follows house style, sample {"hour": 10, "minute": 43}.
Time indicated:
{"hour": 8, "minute": 42}
